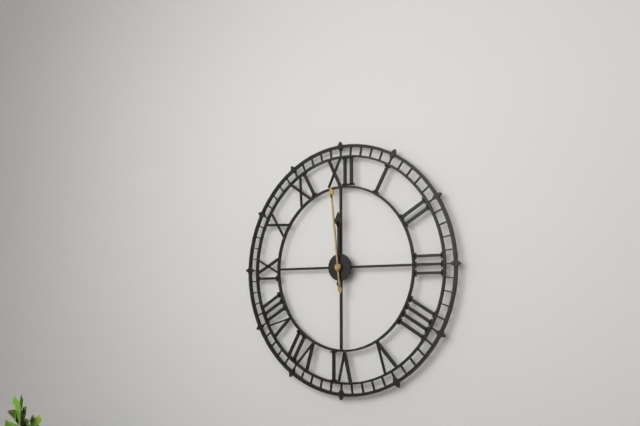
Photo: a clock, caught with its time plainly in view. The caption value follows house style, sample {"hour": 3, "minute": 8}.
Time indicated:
{"hour": 11, "minute": 59}
